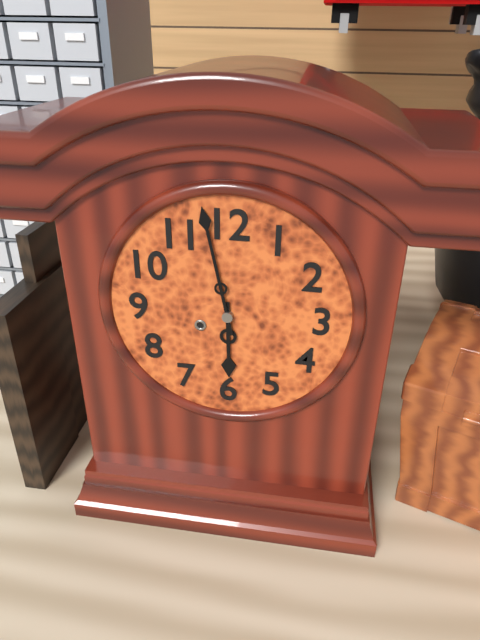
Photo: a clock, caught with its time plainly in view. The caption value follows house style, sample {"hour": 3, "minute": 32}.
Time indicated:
{"hour": 5, "minute": 58}
